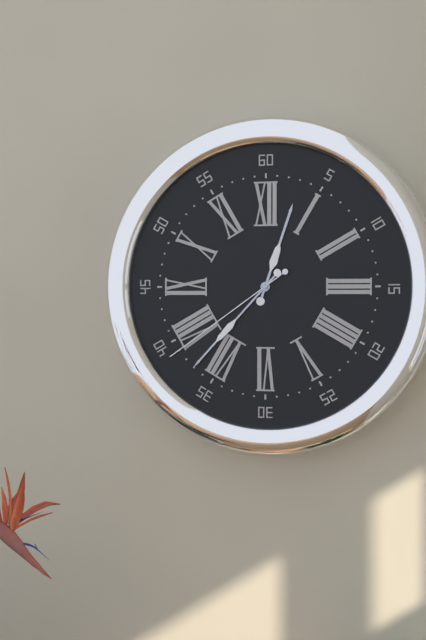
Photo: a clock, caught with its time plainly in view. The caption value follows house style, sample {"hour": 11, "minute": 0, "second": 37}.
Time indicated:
{"hour": 12, "minute": 37, "second": 39}
